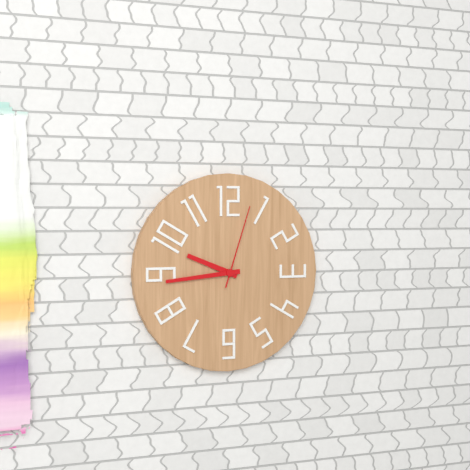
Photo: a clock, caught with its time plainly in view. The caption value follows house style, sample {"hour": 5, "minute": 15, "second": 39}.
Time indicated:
{"hour": 9, "minute": 44, "second": 3}
